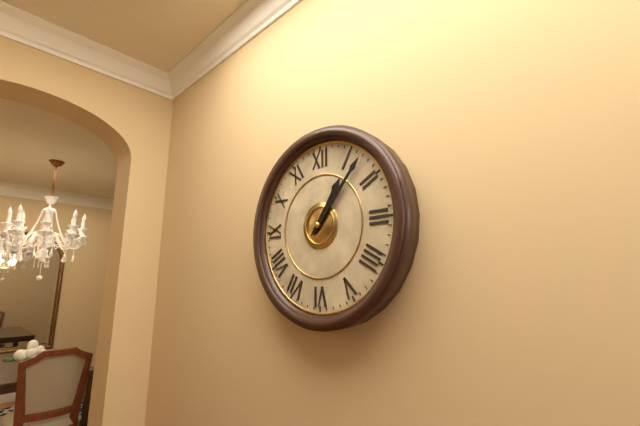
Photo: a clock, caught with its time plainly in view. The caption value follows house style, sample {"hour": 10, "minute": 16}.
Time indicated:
{"hour": 1, "minute": 7}
